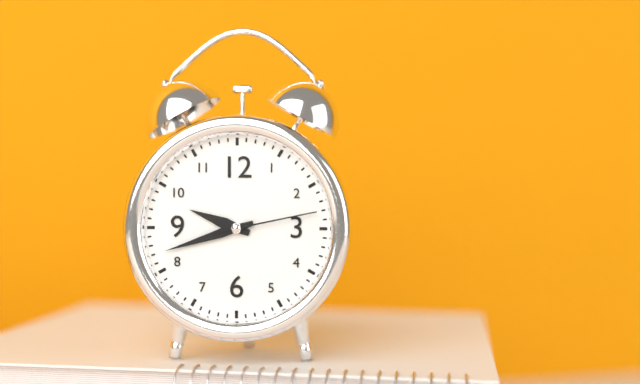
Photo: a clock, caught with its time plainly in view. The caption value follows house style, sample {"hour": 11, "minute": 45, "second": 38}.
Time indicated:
{"hour": 9, "minute": 42, "second": 13}
